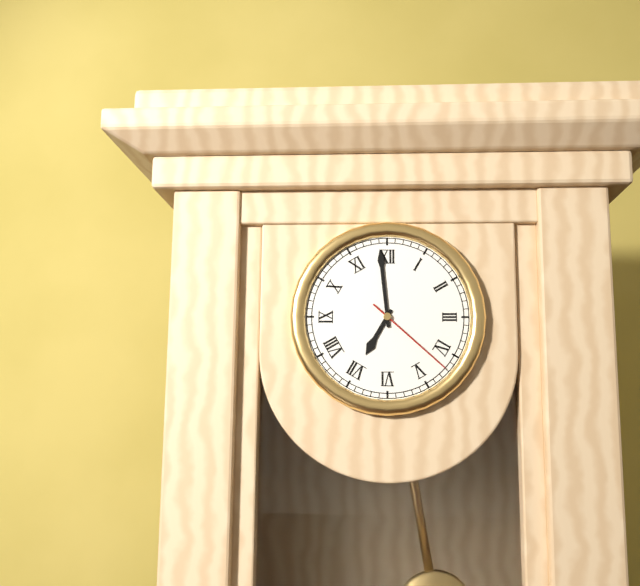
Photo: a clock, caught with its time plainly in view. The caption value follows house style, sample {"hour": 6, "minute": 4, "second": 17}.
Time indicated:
{"hour": 6, "minute": 59, "second": 22}
